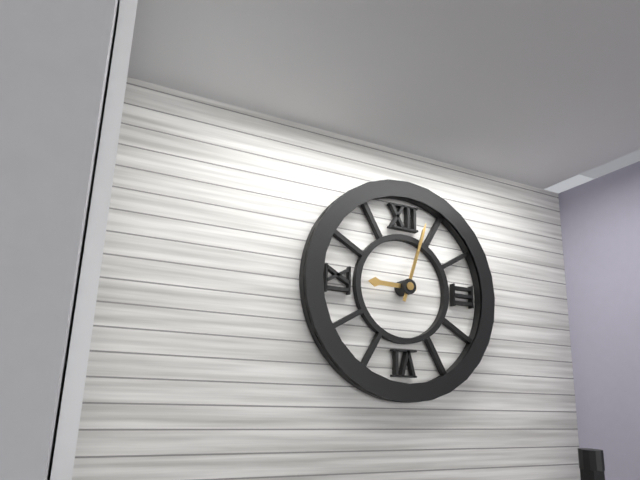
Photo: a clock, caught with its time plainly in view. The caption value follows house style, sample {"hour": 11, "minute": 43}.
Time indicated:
{"hour": 9, "minute": 3}
